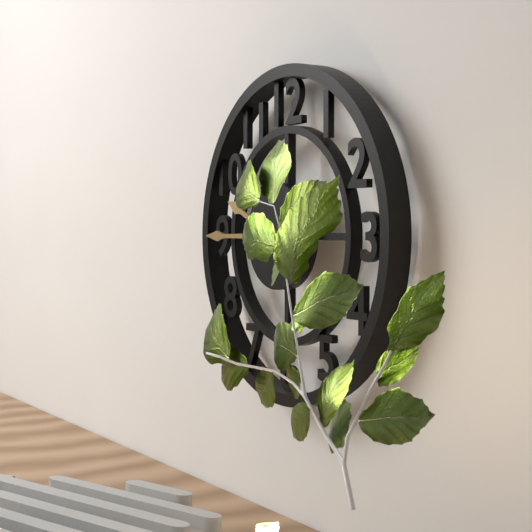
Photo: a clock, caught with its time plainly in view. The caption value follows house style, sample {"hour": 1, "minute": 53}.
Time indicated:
{"hour": 9, "minute": 45}
